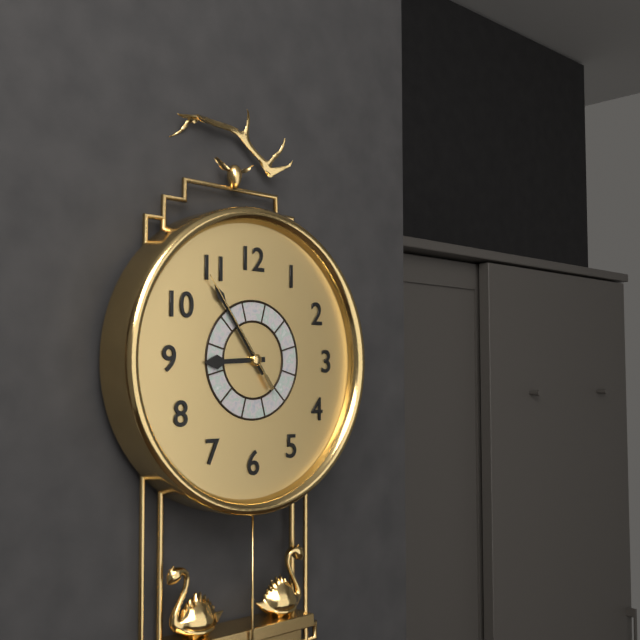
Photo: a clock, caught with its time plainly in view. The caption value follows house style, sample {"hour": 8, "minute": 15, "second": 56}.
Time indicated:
{"hour": 8, "minute": 54, "second": 54}
